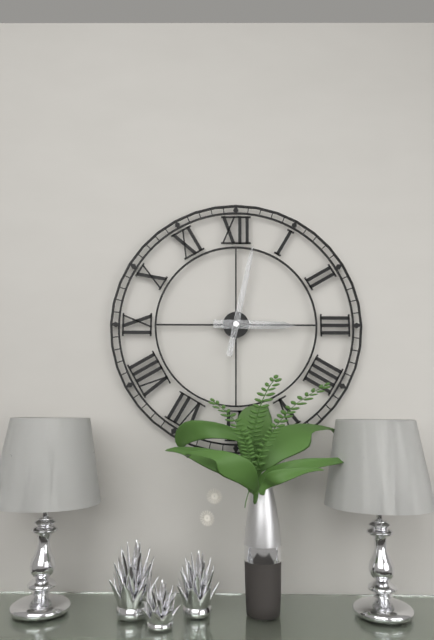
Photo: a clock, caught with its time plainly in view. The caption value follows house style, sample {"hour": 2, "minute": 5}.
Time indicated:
{"hour": 3, "minute": 2}
